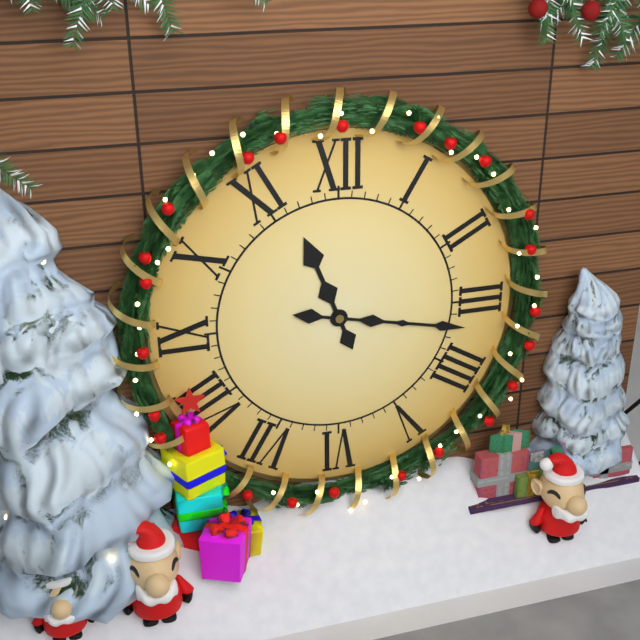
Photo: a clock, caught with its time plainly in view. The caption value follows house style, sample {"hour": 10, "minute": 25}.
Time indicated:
{"hour": 11, "minute": 17}
